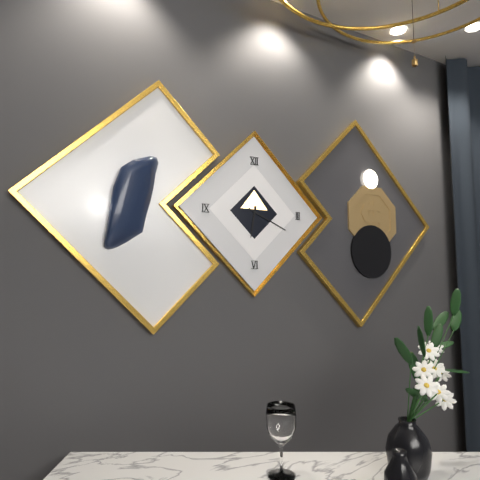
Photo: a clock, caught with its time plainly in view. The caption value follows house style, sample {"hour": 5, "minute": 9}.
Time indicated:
{"hour": 6, "minute": 19}
